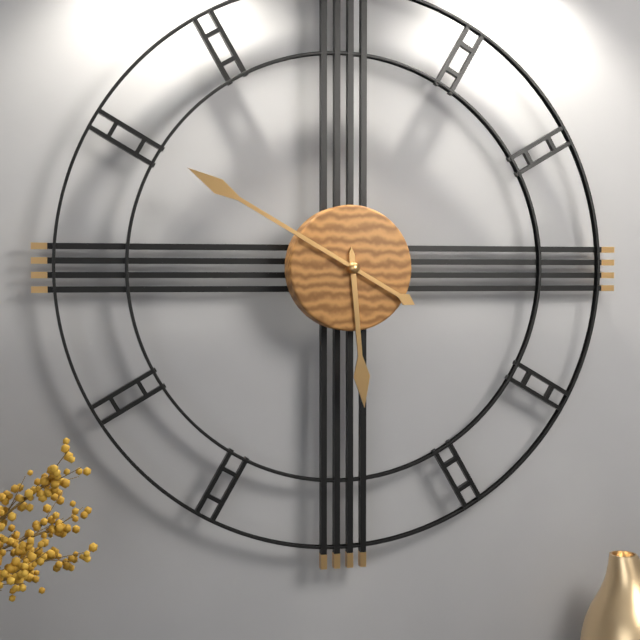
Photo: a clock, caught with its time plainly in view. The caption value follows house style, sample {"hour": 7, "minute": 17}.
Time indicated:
{"hour": 5, "minute": 50}
